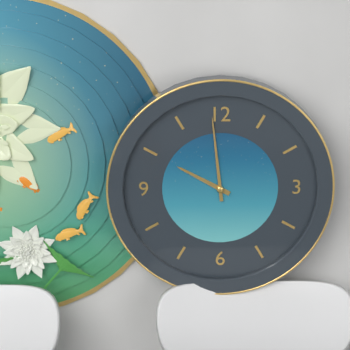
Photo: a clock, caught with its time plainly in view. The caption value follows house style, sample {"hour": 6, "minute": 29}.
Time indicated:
{"hour": 9, "minute": 59}
